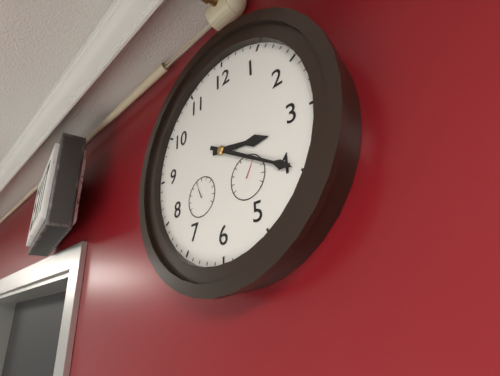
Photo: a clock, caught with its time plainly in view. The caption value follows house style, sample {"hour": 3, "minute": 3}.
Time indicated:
{"hour": 3, "minute": 20}
